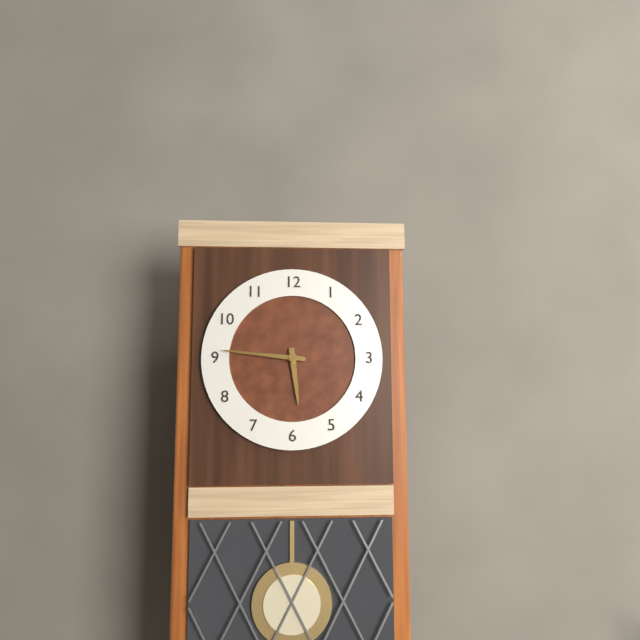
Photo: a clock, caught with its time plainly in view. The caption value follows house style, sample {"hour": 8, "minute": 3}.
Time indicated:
{"hour": 5, "minute": 46}
